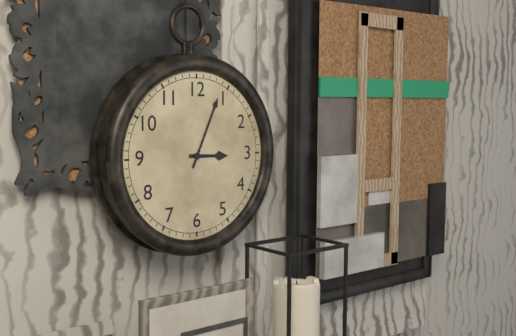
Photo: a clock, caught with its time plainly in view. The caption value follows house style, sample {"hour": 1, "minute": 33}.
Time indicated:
{"hour": 3, "minute": 4}
